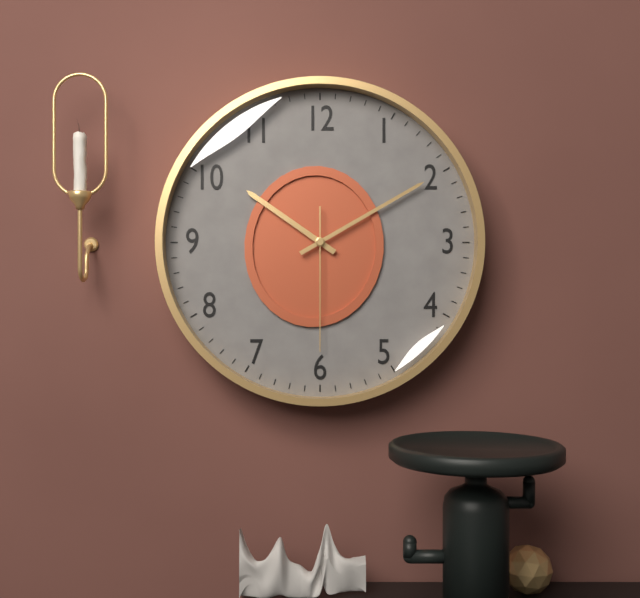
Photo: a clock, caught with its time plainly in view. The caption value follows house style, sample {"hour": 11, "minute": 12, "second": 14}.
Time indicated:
{"hour": 10, "minute": 10, "second": 30}
